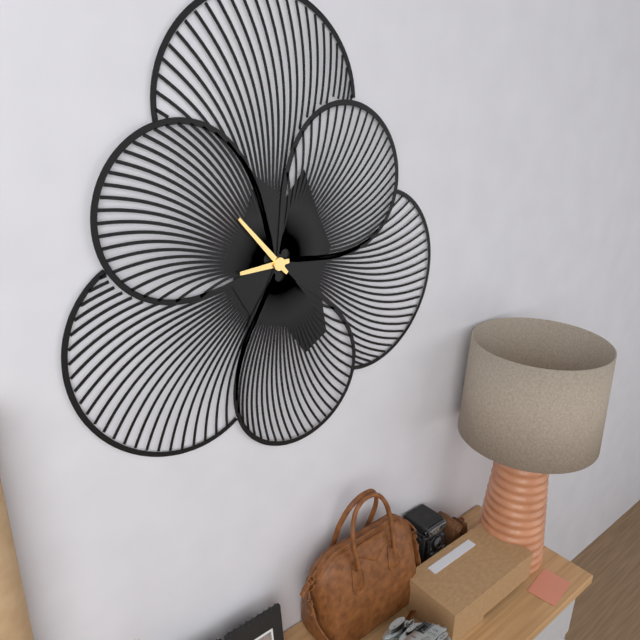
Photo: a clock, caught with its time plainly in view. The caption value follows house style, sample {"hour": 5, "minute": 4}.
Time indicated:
{"hour": 8, "minute": 53}
